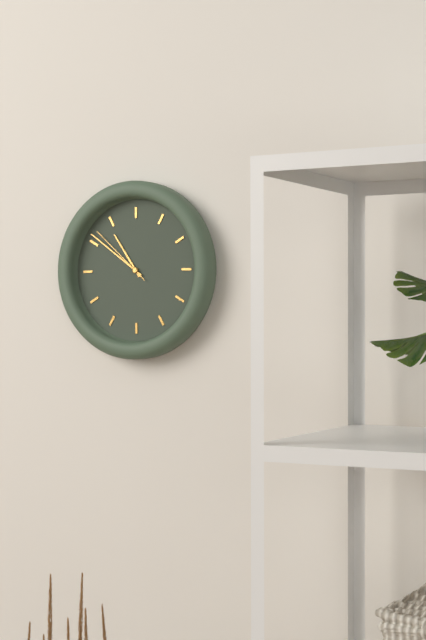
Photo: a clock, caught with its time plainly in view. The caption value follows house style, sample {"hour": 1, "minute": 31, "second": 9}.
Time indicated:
{"hour": 10, "minute": 51, "second": 52}
